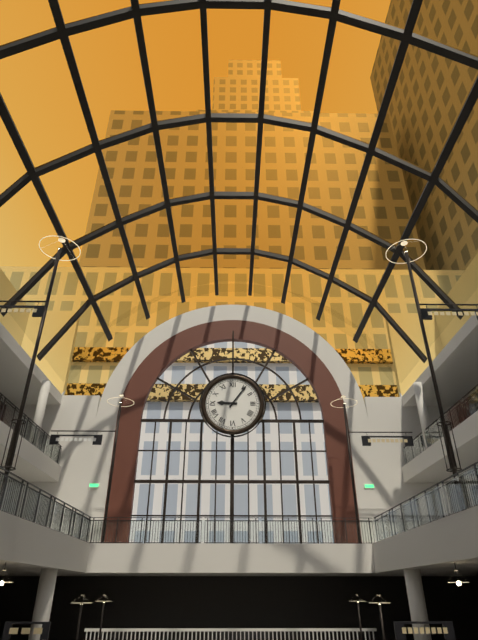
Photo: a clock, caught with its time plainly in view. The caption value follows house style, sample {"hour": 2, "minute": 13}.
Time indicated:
{"hour": 9, "minute": 6}
